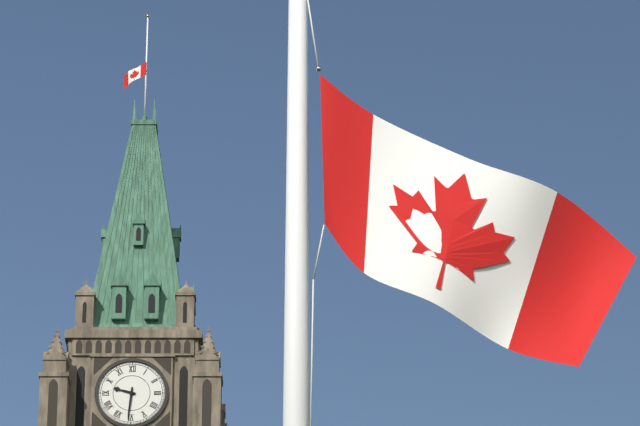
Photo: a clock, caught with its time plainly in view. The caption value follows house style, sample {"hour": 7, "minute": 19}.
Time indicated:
{"hour": 9, "minute": 31}
